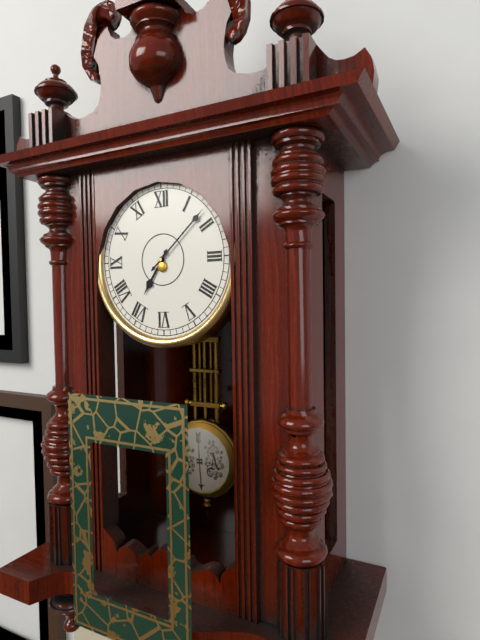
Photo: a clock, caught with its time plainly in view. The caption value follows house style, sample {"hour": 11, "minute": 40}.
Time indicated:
{"hour": 7, "minute": 8}
